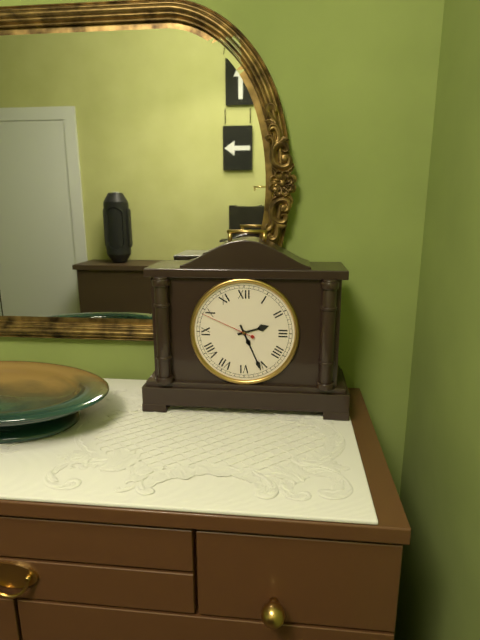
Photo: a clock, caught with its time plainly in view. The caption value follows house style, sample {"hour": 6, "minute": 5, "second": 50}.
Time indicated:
{"hour": 2, "minute": 26, "second": 49}
